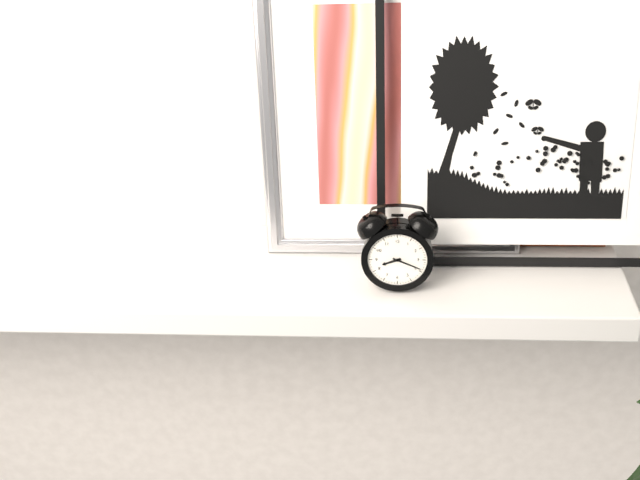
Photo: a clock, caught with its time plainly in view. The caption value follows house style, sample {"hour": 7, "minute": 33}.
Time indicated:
{"hour": 8, "minute": 19}
